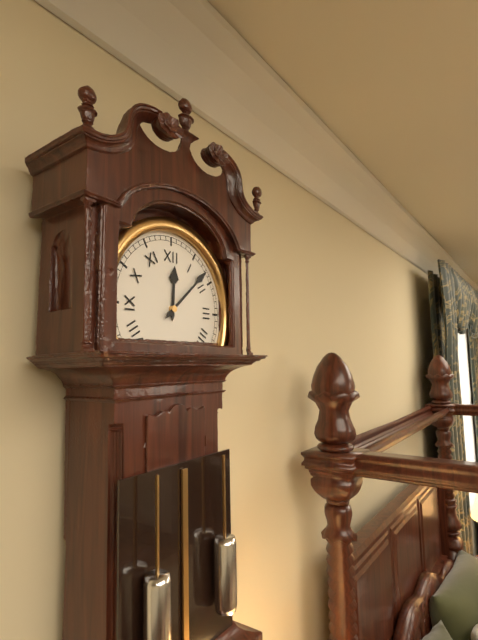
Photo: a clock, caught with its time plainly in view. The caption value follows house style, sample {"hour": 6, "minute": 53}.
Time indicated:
{"hour": 12, "minute": 8}
